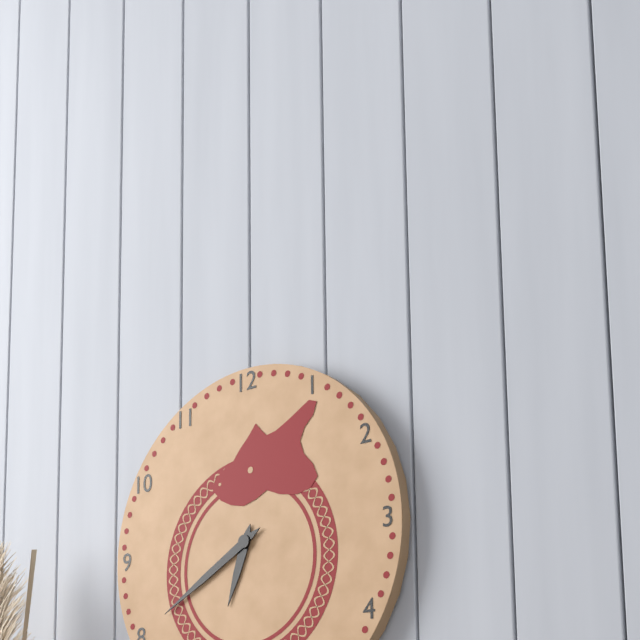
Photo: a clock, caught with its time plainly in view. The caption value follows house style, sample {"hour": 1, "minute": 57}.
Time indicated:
{"hour": 6, "minute": 40}
